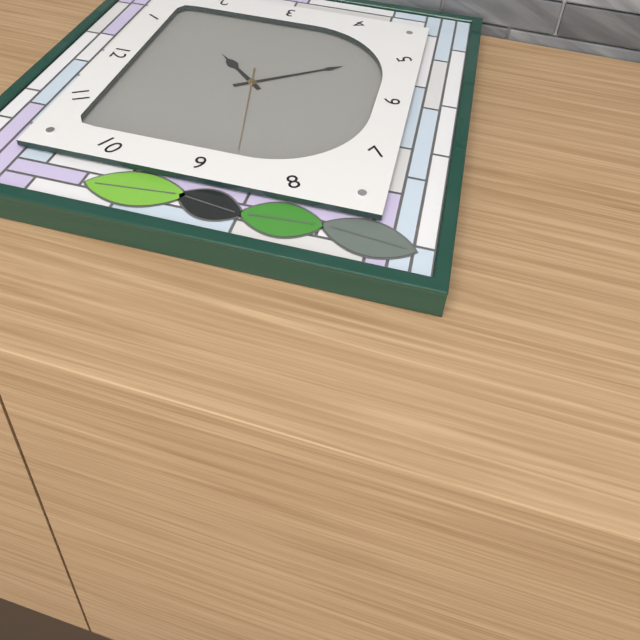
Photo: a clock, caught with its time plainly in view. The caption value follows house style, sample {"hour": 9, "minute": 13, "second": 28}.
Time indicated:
{"hour": 1, "minute": 24, "second": 43}
